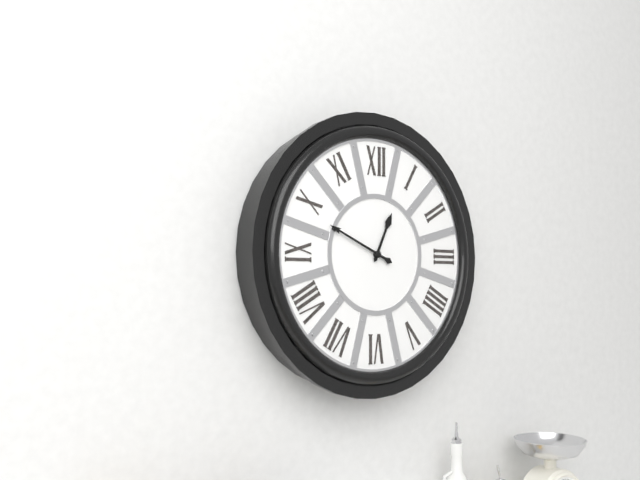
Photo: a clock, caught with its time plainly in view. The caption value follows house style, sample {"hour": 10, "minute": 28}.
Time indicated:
{"hour": 12, "minute": 49}
